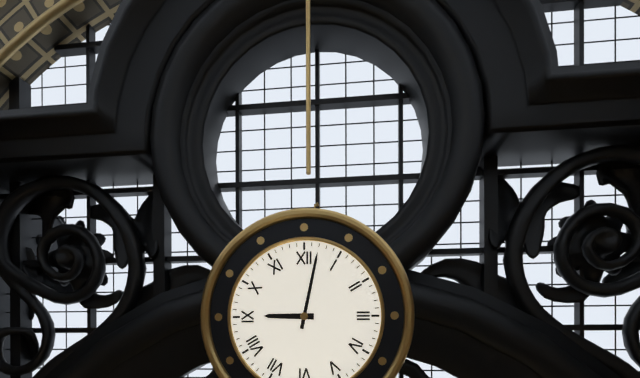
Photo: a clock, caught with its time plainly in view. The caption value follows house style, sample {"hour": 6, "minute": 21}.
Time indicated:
{"hour": 9, "minute": 2}
